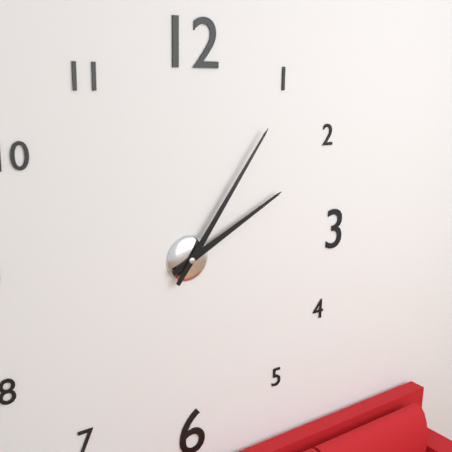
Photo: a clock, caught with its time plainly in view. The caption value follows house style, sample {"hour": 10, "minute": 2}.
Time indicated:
{"hour": 2, "minute": 6}
